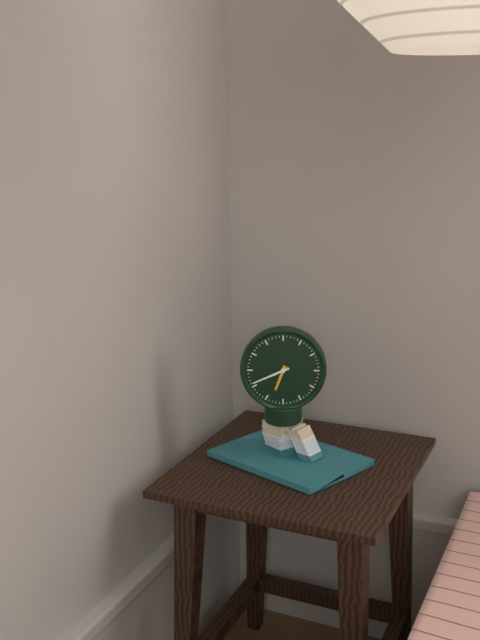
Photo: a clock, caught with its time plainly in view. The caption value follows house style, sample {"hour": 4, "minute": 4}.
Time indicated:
{"hour": 6, "minute": 41}
